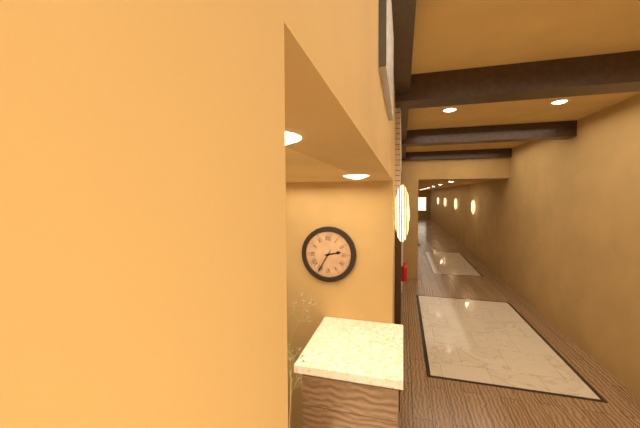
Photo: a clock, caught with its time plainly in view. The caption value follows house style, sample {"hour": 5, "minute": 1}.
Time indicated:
{"hour": 2, "minute": 35}
